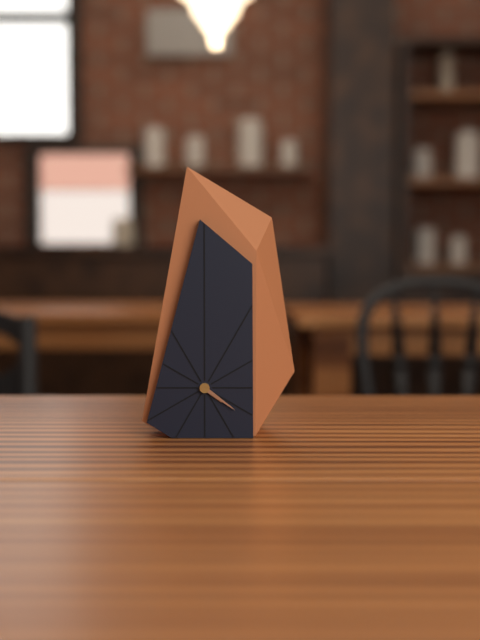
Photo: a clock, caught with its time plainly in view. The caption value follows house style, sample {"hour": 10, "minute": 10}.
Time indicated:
{"hour": 4, "minute": 21}
